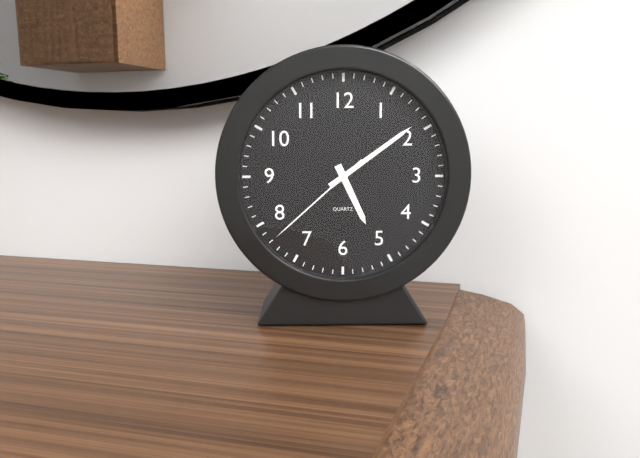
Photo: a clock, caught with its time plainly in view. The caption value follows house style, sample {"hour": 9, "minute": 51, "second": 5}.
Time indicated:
{"hour": 5, "minute": 9, "second": 38}
